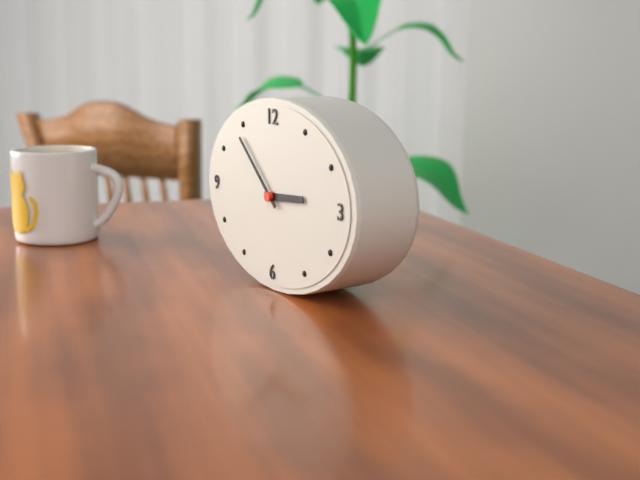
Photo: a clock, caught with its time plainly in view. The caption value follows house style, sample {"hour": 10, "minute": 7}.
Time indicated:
{"hour": 2, "minute": 52}
